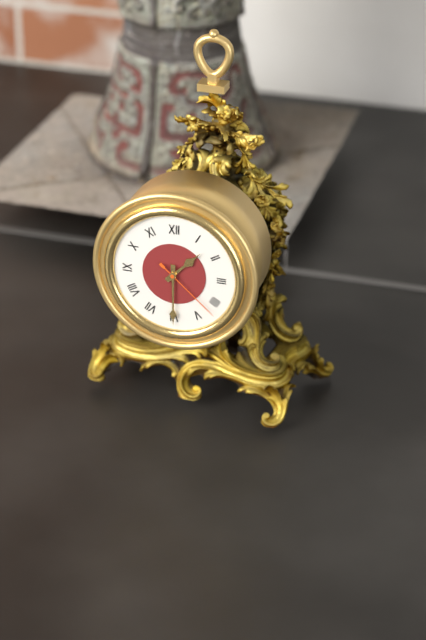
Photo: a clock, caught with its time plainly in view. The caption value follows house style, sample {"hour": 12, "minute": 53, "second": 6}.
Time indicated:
{"hour": 1, "minute": 30, "second": 22}
